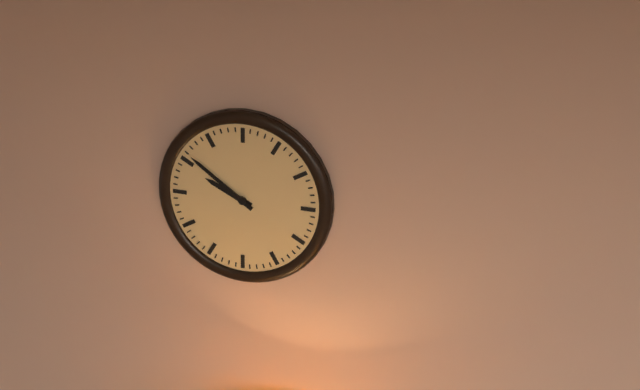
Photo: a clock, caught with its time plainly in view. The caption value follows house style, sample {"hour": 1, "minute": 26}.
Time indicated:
{"hour": 9, "minute": 51}
